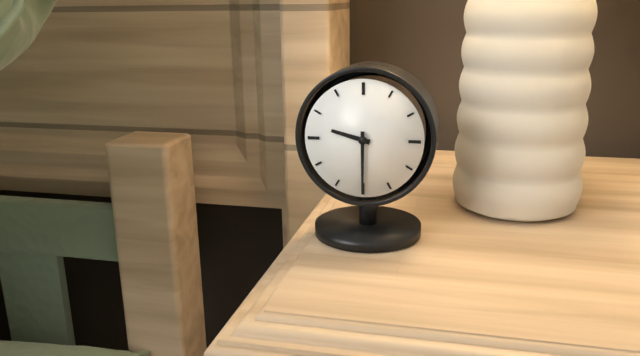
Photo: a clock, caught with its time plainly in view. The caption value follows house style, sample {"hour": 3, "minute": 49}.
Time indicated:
{"hour": 9, "minute": 30}
